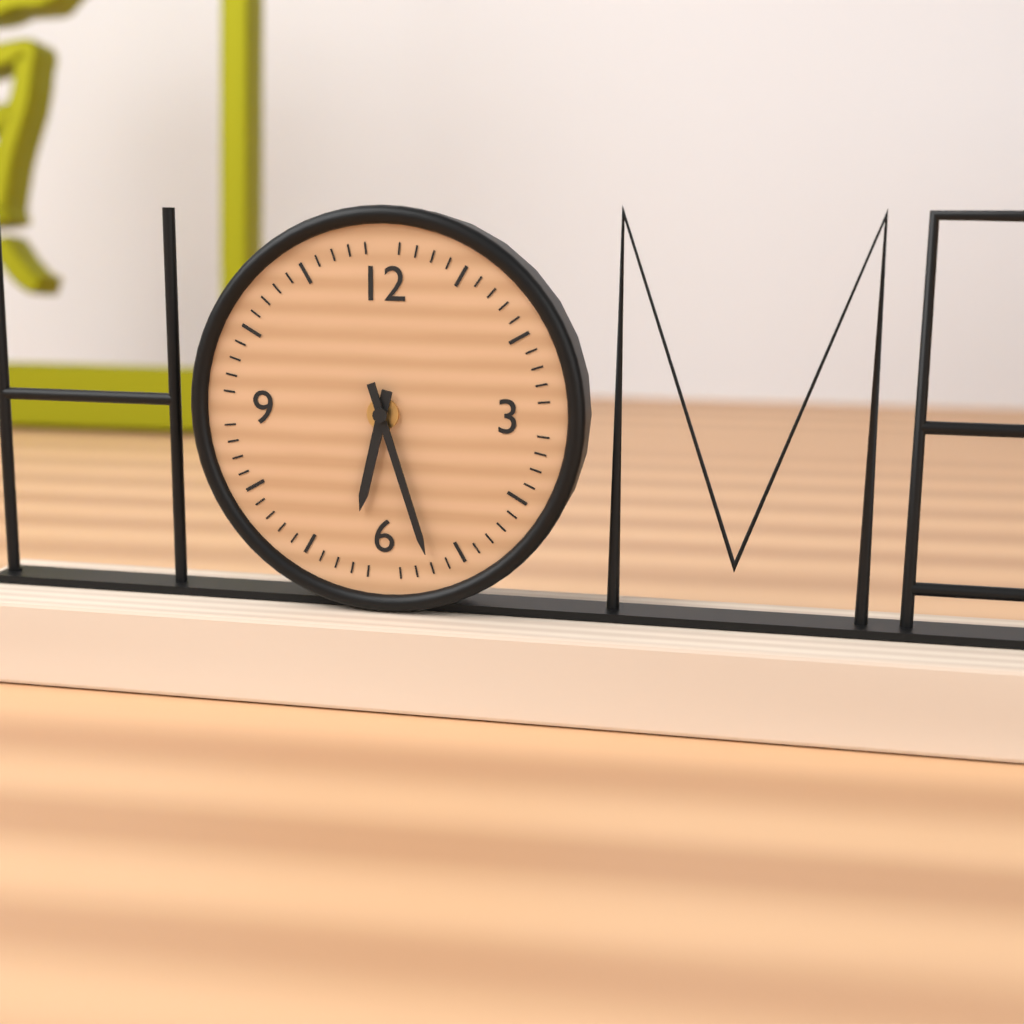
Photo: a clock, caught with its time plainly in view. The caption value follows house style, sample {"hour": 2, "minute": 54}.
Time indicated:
{"hour": 6, "minute": 27}
